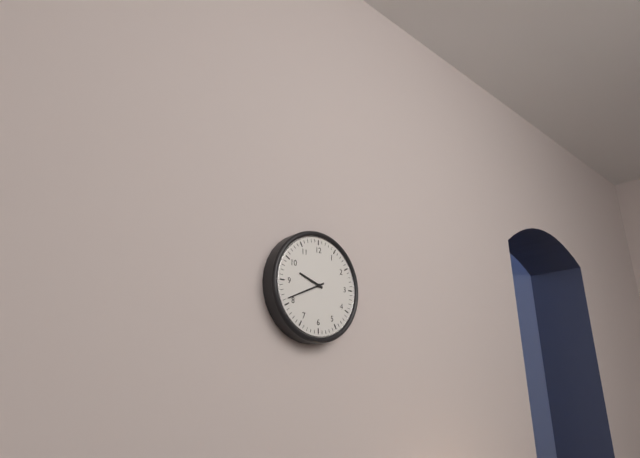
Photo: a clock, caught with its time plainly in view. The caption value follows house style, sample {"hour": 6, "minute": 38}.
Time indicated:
{"hour": 9, "minute": 41}
